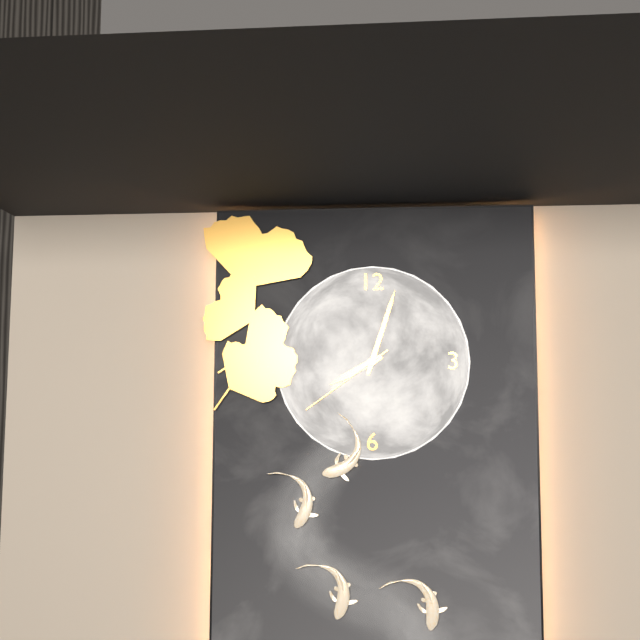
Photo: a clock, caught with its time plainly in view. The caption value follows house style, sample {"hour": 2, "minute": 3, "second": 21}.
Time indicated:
{"hour": 8, "minute": 3, "second": 39}
